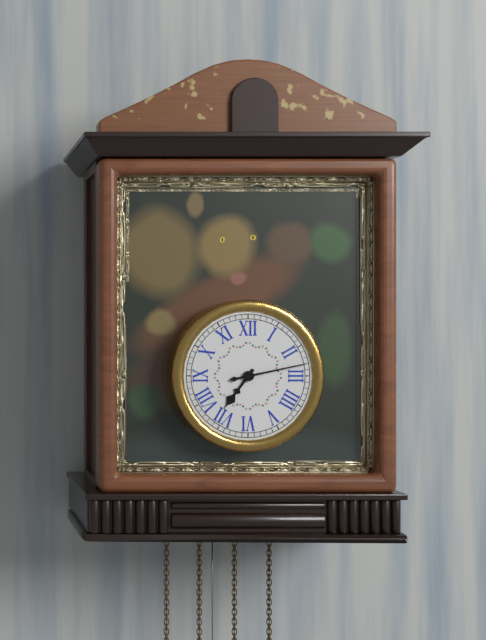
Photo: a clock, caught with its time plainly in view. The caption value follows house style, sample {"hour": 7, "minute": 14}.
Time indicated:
{"hour": 7, "minute": 13}
